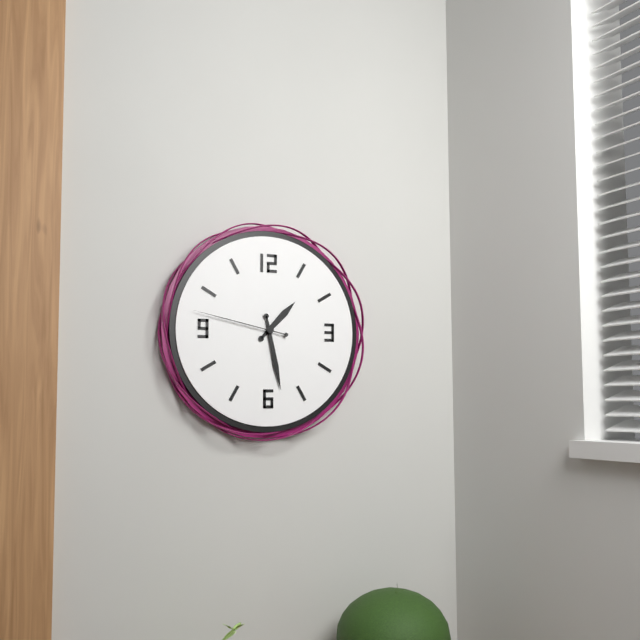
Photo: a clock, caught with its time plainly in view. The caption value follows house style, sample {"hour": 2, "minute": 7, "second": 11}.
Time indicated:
{"hour": 1, "minute": 28, "second": 47}
